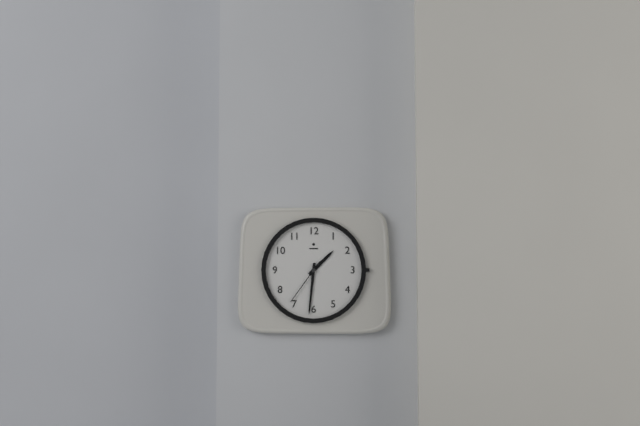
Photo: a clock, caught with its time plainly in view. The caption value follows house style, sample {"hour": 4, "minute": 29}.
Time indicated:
{"hour": 1, "minute": 31}
